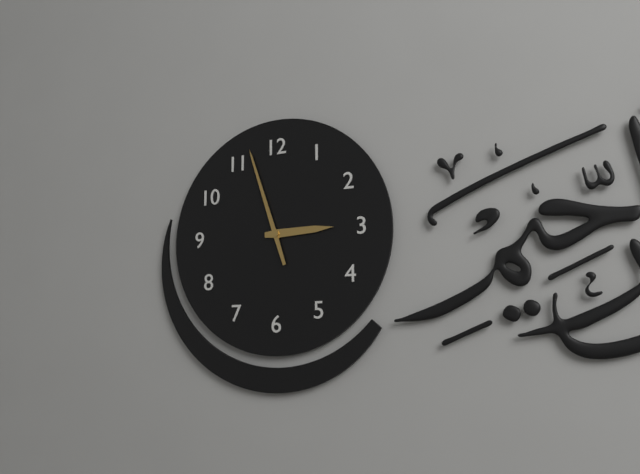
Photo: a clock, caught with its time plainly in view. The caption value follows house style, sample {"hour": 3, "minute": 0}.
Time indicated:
{"hour": 2, "minute": 57}
